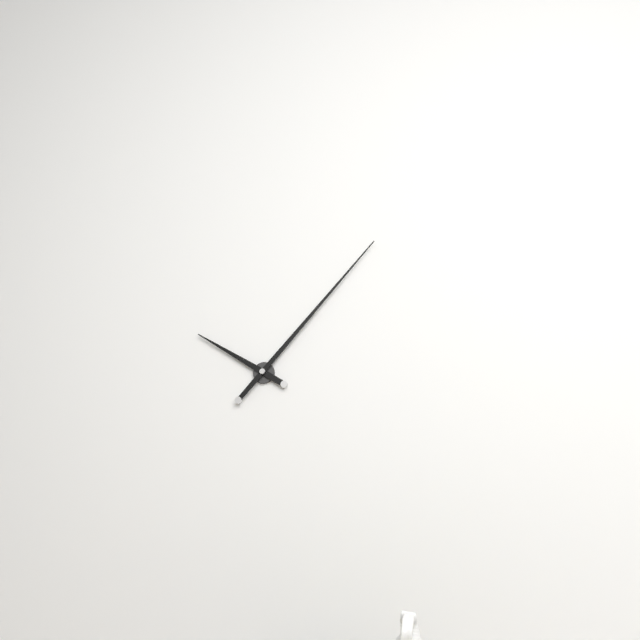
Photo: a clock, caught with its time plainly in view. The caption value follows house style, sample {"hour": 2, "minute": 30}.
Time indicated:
{"hour": 10, "minute": 7}
